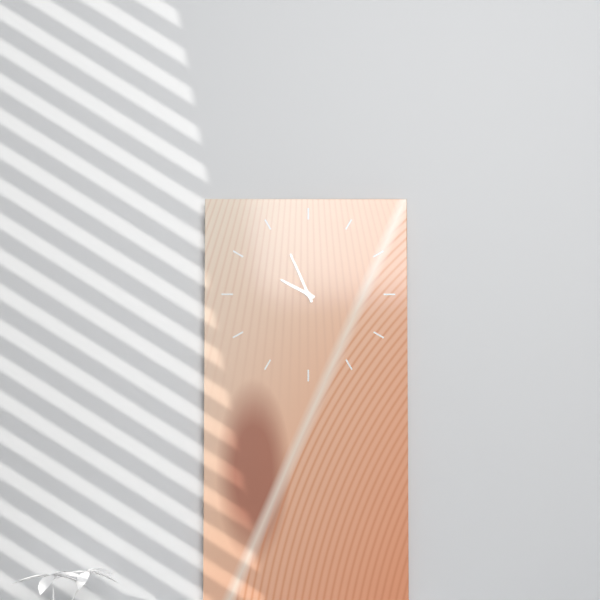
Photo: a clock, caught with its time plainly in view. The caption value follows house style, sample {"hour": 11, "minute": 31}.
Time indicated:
{"hour": 9, "minute": 56}
